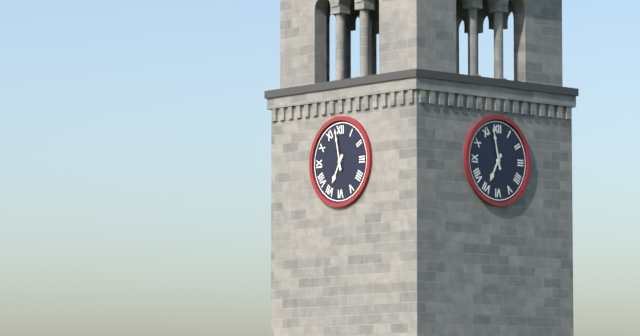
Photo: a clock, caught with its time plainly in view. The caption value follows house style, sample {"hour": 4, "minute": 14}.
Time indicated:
{"hour": 6, "minute": 58}
